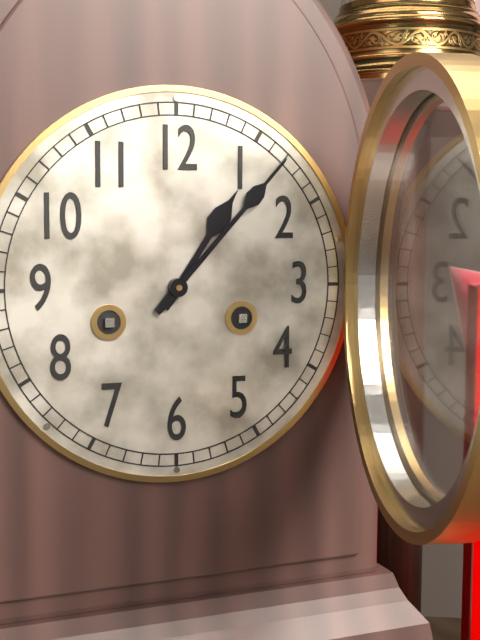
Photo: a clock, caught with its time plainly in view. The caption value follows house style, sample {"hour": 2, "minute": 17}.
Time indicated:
{"hour": 1, "minute": 7}
